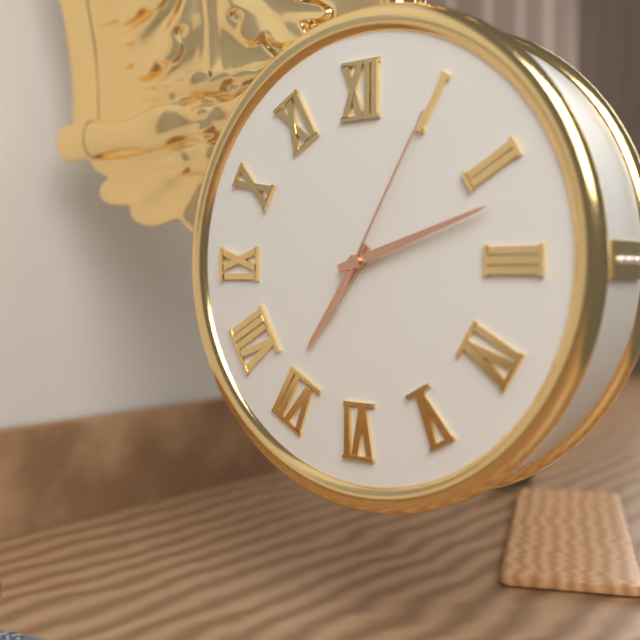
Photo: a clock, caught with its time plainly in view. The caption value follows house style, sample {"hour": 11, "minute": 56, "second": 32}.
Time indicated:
{"hour": 7, "minute": 12, "second": 5}
